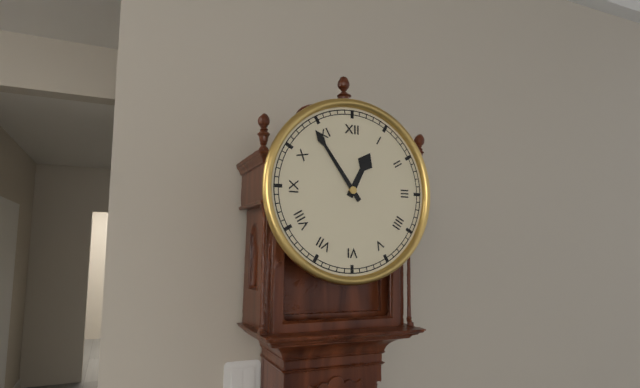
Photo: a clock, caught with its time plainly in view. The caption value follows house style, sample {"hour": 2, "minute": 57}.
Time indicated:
{"hour": 12, "minute": 54}
